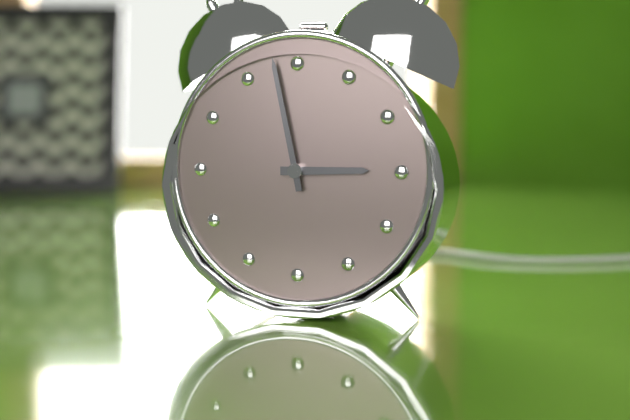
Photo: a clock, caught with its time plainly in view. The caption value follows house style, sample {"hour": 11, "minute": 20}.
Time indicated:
{"hour": 2, "minute": 58}
